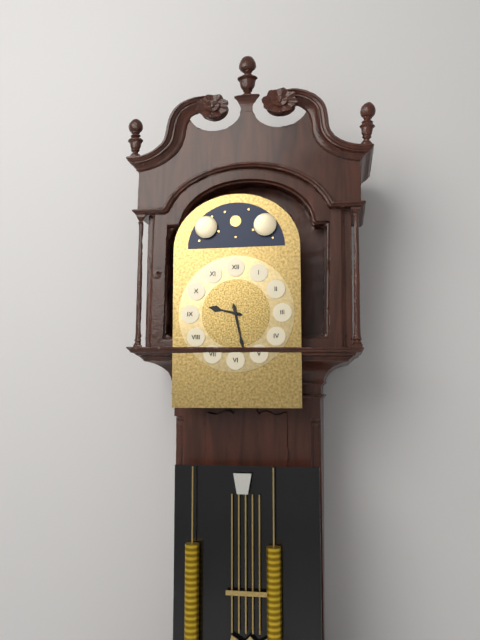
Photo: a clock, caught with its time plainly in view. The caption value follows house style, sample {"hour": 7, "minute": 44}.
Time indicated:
{"hour": 9, "minute": 28}
